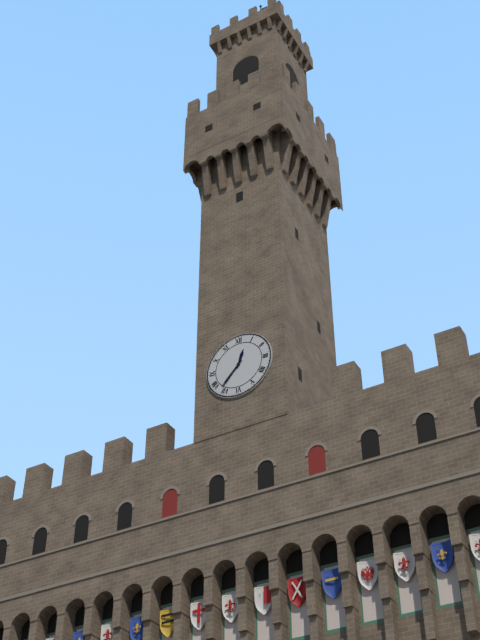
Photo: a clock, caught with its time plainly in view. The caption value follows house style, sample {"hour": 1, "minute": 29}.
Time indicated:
{"hour": 12, "minute": 37}
